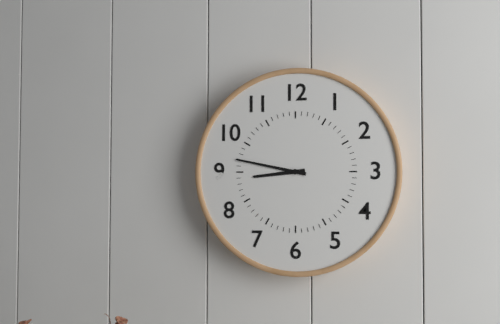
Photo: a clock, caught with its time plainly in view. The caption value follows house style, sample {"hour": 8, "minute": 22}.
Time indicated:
{"hour": 8, "minute": 47}
